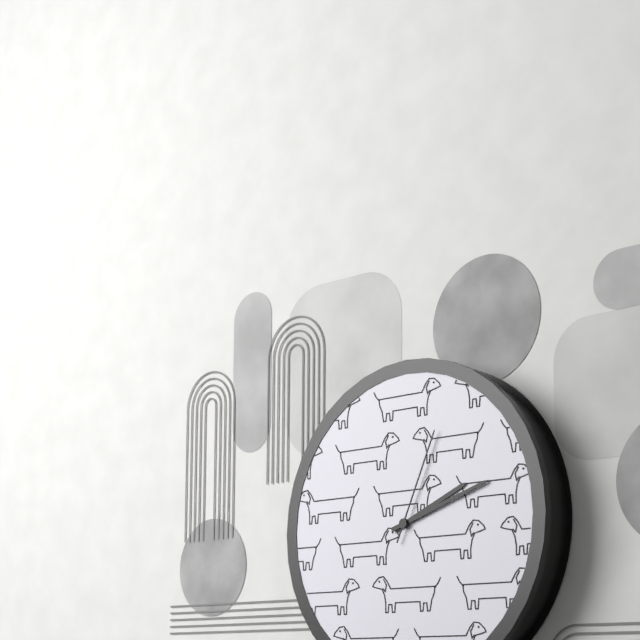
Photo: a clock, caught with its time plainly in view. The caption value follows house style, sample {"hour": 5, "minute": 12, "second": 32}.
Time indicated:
{"hour": 2, "minute": 12, "second": 4}
